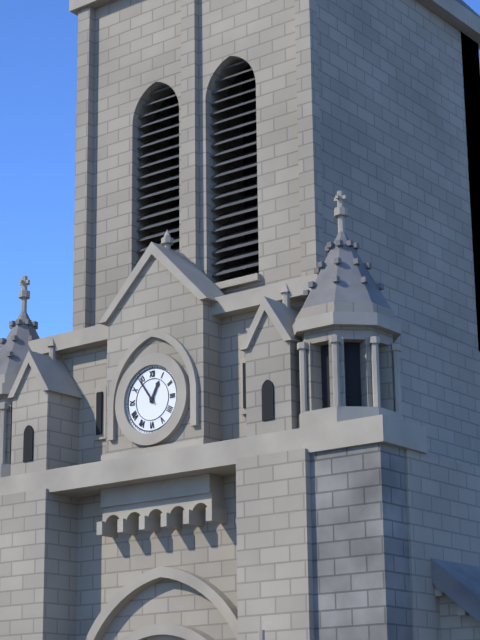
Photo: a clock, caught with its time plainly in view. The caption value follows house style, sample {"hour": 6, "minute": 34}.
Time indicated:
{"hour": 12, "minute": 54}
